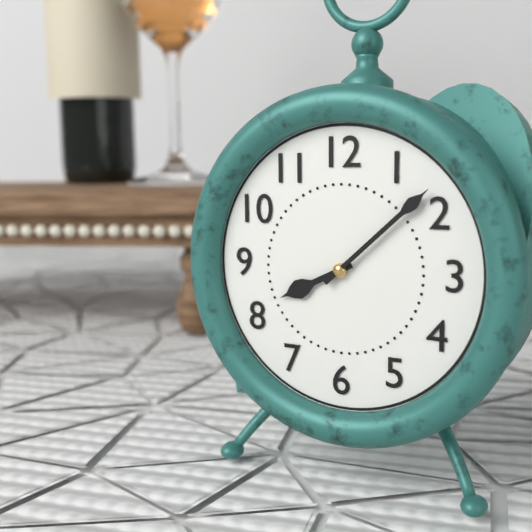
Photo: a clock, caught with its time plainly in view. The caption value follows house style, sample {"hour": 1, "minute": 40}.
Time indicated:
{"hour": 8, "minute": 8}
